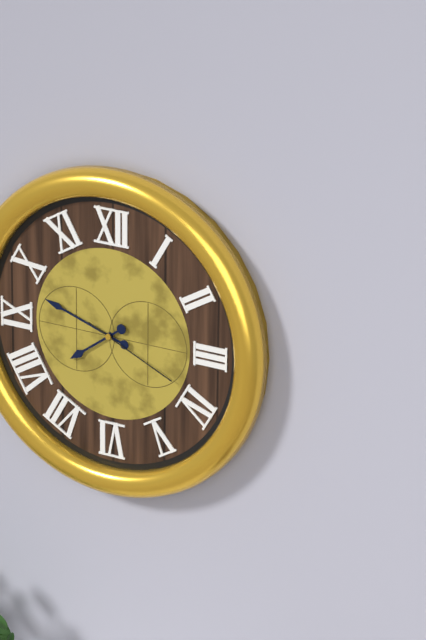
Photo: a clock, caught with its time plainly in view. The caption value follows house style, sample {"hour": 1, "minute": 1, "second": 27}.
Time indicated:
{"hour": 7, "minute": 48, "second": 19}
